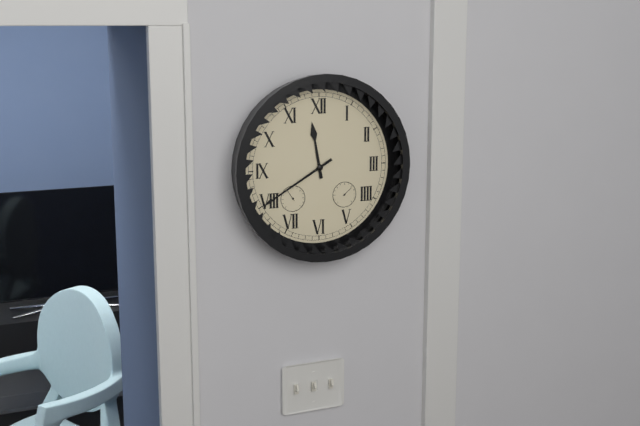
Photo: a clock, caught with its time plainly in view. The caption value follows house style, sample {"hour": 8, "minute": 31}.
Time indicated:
{"hour": 11, "minute": 40}
